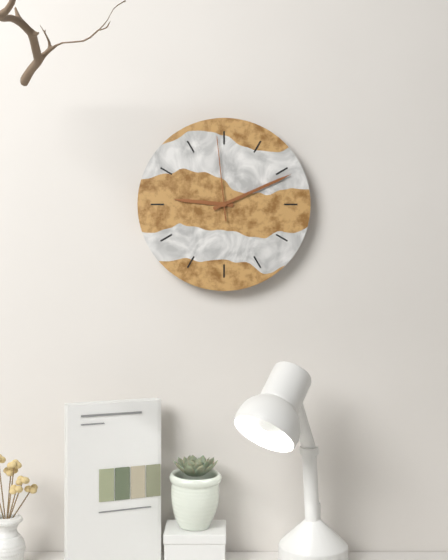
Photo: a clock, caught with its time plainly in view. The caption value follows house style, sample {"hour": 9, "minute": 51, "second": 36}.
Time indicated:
{"hour": 9, "minute": 11, "second": 59}
